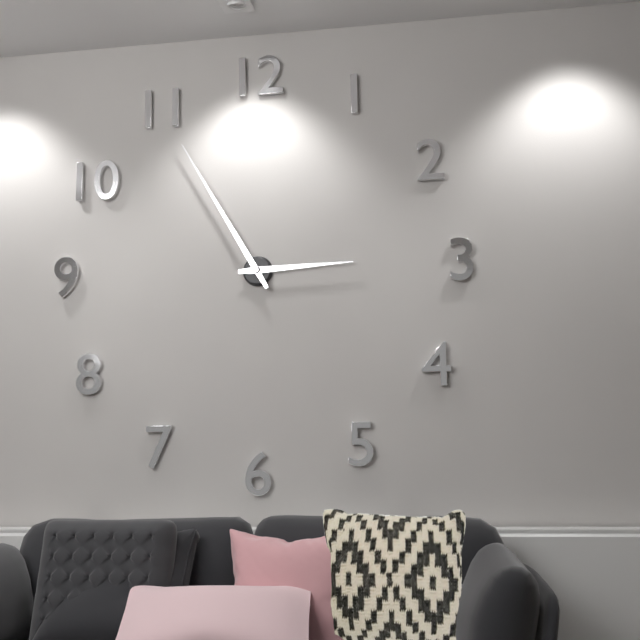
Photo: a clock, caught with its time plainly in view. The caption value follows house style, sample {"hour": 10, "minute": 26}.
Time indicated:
{"hour": 2, "minute": 55}
